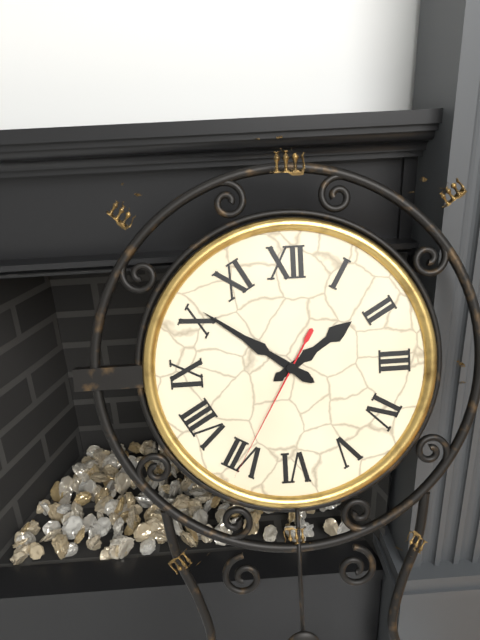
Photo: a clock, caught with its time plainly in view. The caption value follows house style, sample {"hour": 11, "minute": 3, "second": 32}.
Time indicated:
{"hour": 1, "minute": 51, "second": 35}
